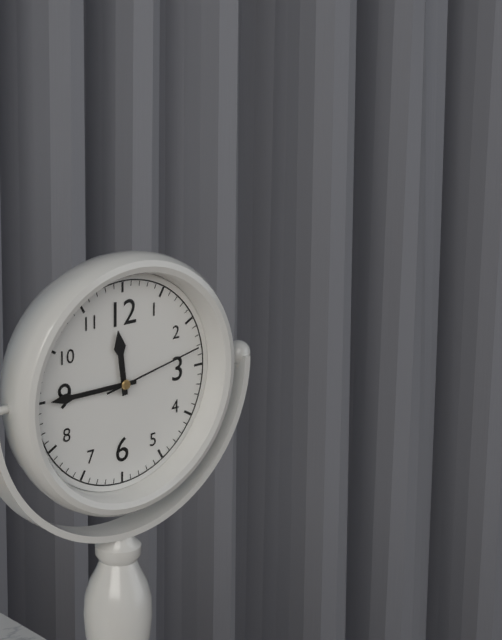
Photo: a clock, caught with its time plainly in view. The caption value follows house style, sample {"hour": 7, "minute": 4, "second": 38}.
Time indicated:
{"hour": 11, "minute": 45, "second": 13}
